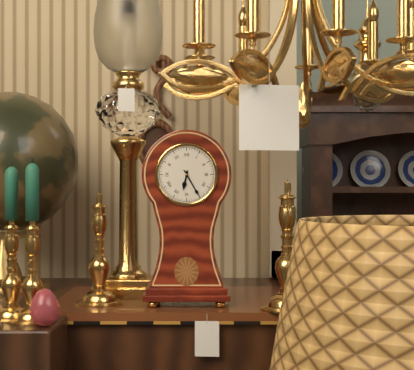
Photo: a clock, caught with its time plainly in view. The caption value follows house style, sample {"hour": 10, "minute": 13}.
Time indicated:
{"hour": 6, "minute": 25}
